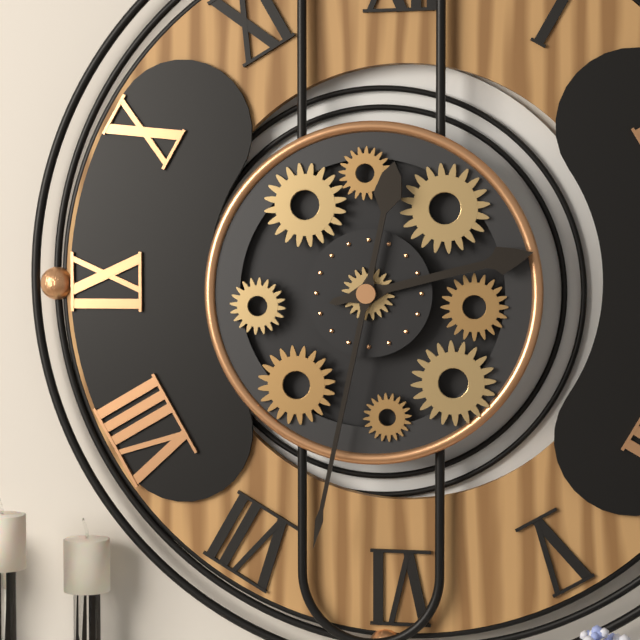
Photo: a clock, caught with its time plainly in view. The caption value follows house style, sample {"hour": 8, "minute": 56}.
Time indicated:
{"hour": 2, "minute": 32}
